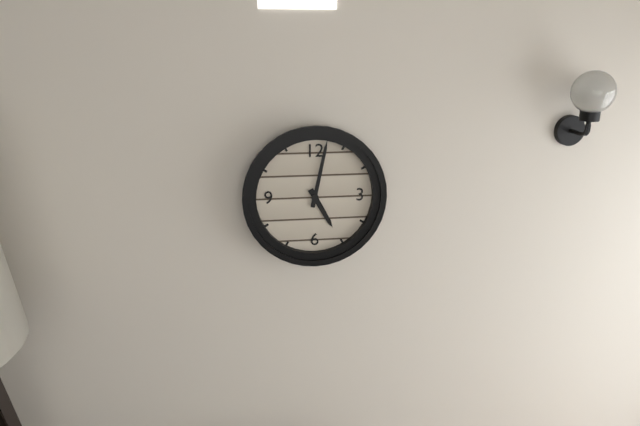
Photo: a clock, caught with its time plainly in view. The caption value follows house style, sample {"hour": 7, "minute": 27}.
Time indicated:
{"hour": 5, "minute": 2}
